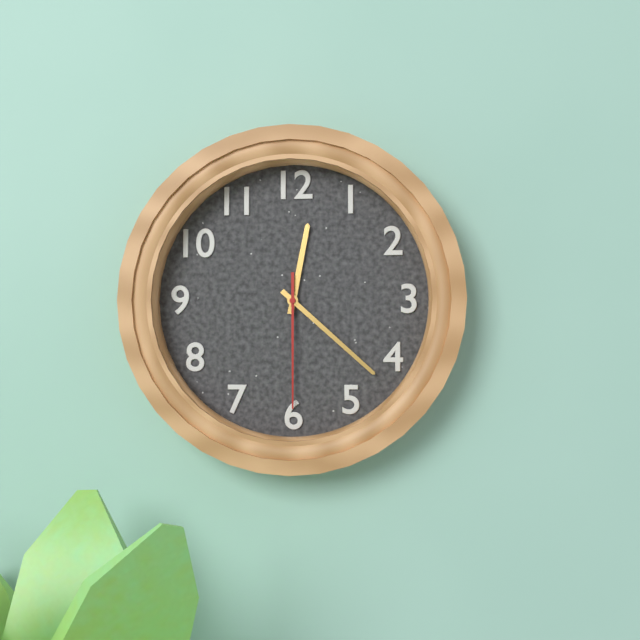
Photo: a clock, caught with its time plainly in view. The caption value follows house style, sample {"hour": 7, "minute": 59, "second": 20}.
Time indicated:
{"hour": 12, "minute": 22, "second": 30}
